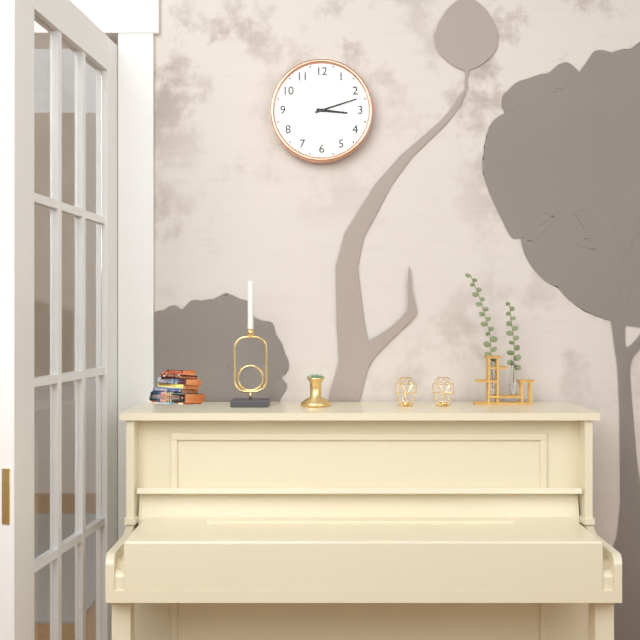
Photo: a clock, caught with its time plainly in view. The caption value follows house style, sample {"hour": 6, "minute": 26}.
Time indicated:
{"hour": 3, "minute": 12}
